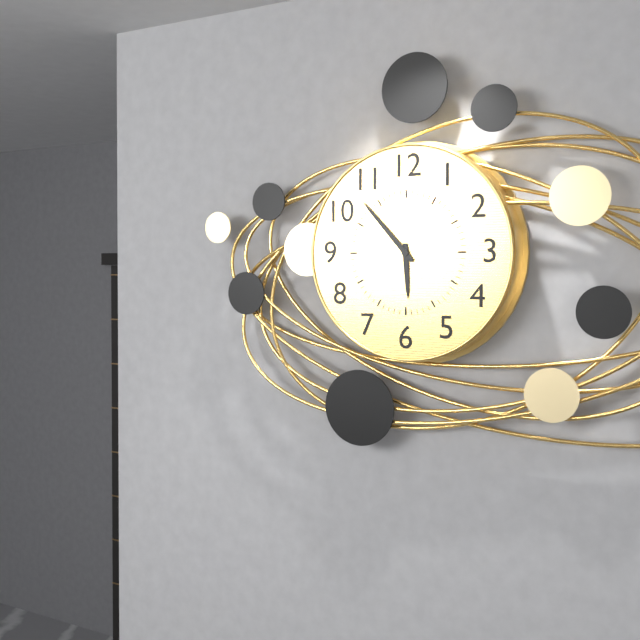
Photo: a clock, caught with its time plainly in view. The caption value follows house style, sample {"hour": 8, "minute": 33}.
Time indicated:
{"hour": 5, "minute": 53}
